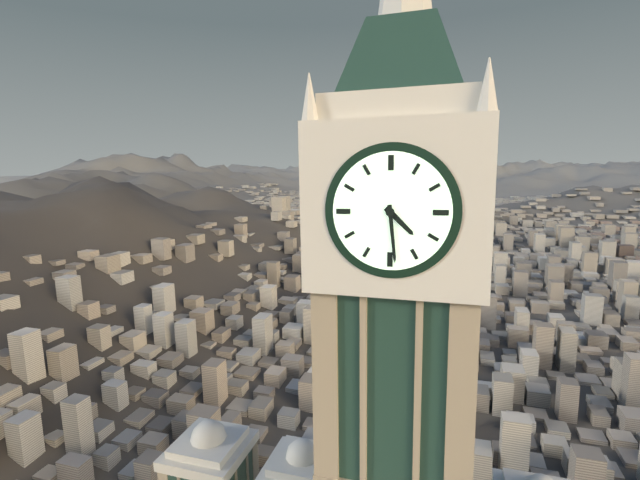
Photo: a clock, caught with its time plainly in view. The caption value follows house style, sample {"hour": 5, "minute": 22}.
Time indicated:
{"hour": 4, "minute": 29}
